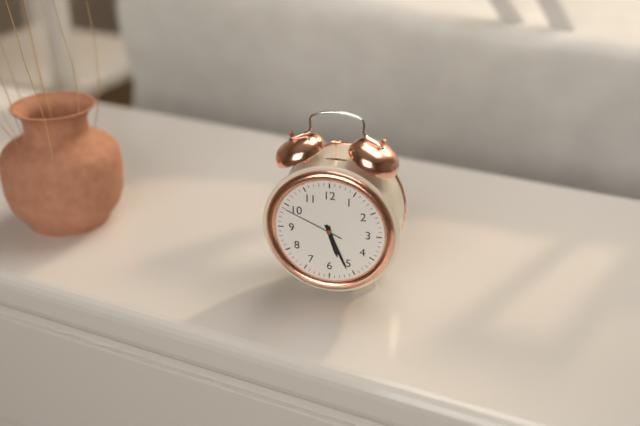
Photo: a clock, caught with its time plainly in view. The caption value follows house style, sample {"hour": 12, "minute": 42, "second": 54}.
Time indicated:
{"hour": 5, "minute": 26, "second": 49}
